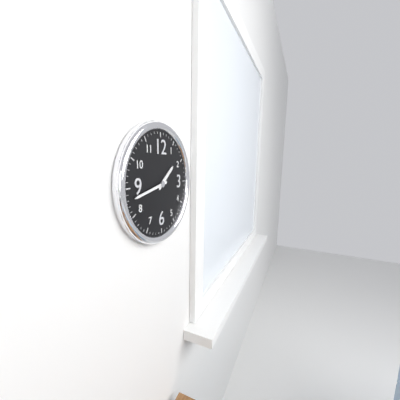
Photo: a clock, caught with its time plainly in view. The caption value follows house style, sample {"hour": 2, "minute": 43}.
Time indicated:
{"hour": 1, "minute": 43}
